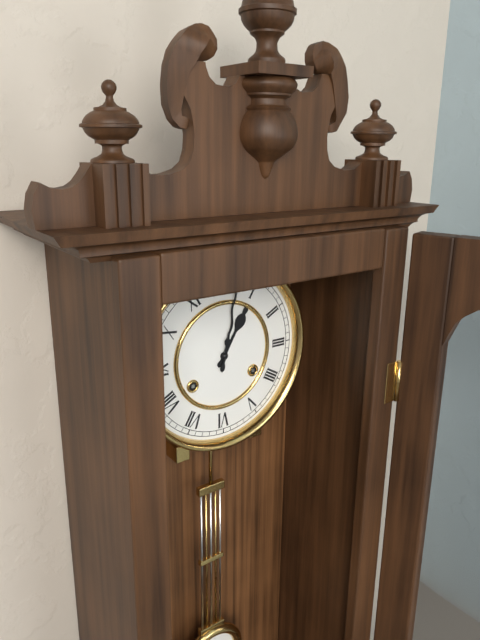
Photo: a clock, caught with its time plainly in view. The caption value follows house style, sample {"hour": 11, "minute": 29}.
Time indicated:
{"hour": 1, "minute": 2}
